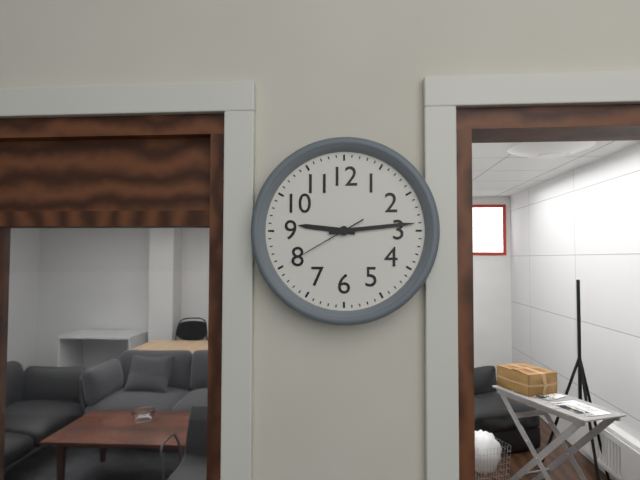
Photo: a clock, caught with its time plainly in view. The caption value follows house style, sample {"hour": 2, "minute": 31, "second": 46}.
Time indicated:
{"hour": 9, "minute": 14, "second": 40}
